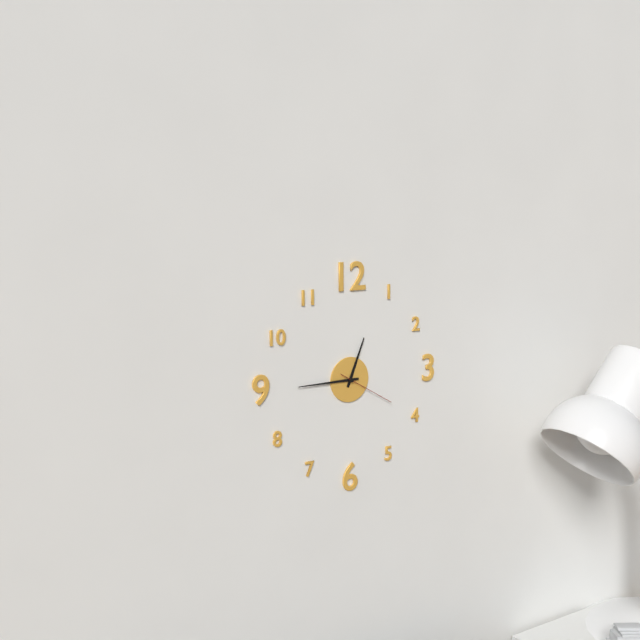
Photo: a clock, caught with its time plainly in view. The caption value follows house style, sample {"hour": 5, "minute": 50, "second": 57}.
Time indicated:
{"hour": 12, "minute": 45, "second": 20}
